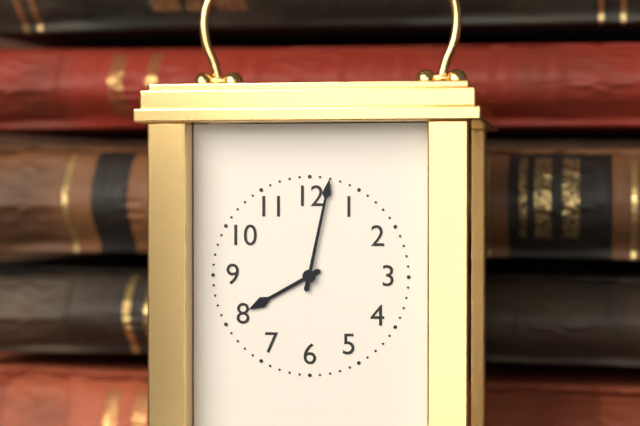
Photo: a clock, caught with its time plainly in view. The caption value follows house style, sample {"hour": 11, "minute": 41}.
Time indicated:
{"hour": 8, "minute": 2}
